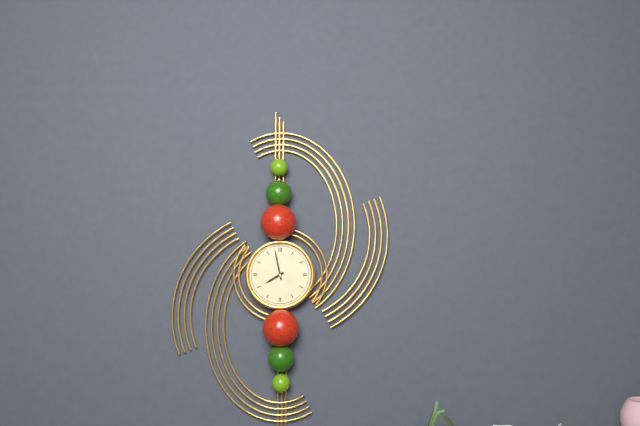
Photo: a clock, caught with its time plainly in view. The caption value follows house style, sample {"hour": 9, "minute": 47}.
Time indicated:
{"hour": 7, "minute": 58}
